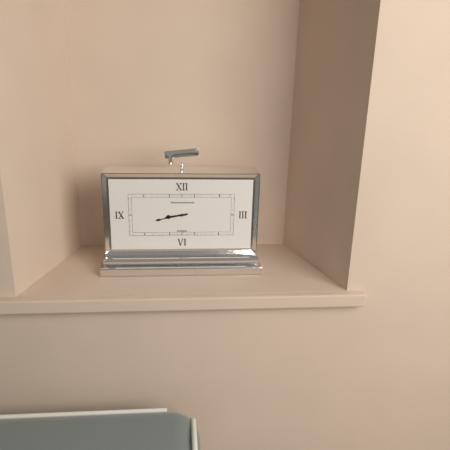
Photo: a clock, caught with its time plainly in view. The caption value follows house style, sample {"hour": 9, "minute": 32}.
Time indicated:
{"hour": 8, "minute": 43}
